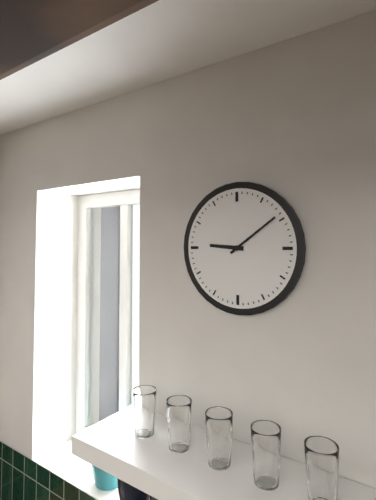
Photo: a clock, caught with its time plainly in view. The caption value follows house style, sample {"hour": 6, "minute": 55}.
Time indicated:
{"hour": 9, "minute": 9}
